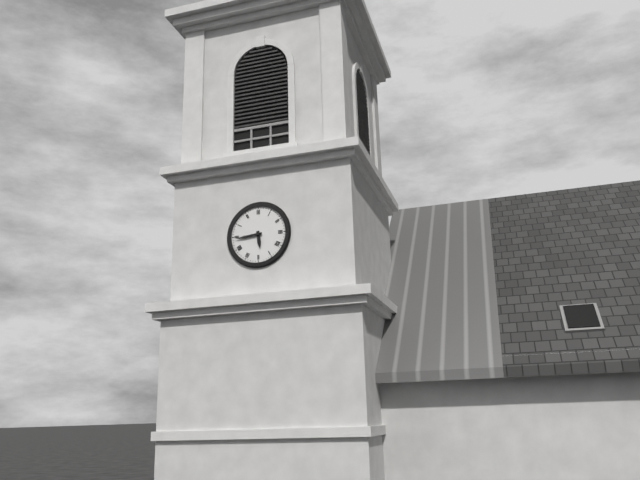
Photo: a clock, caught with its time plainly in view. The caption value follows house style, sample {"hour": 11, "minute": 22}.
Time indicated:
{"hour": 5, "minute": 44}
